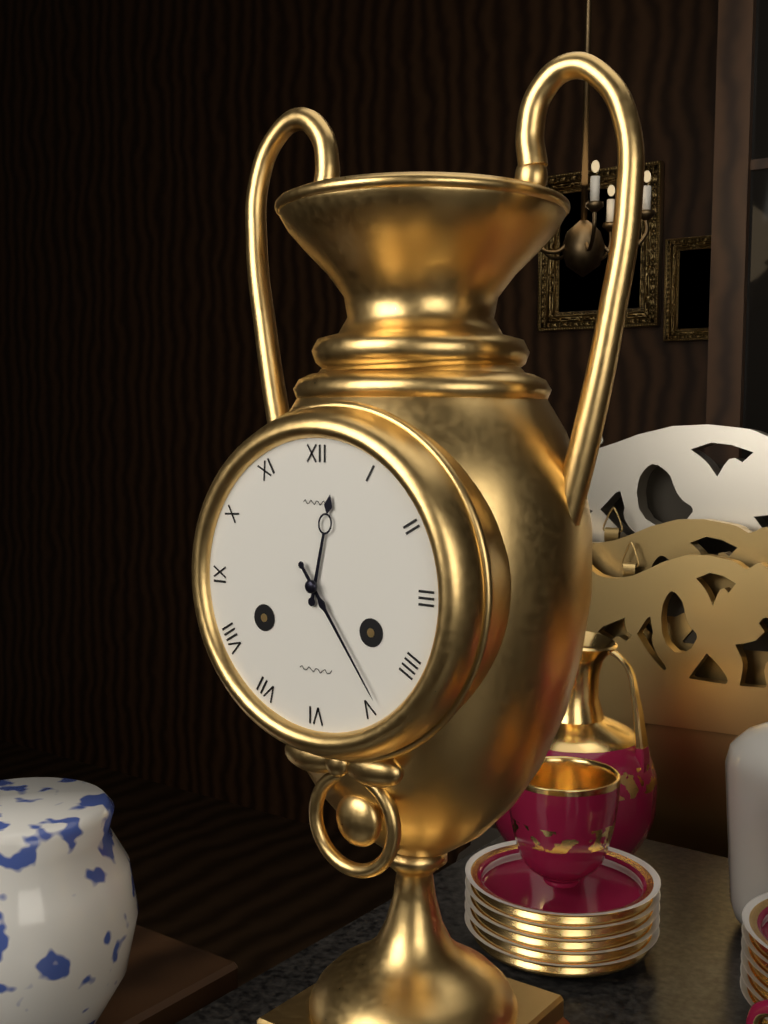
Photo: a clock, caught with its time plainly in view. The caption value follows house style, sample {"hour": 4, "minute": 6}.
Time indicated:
{"hour": 12, "minute": 24}
